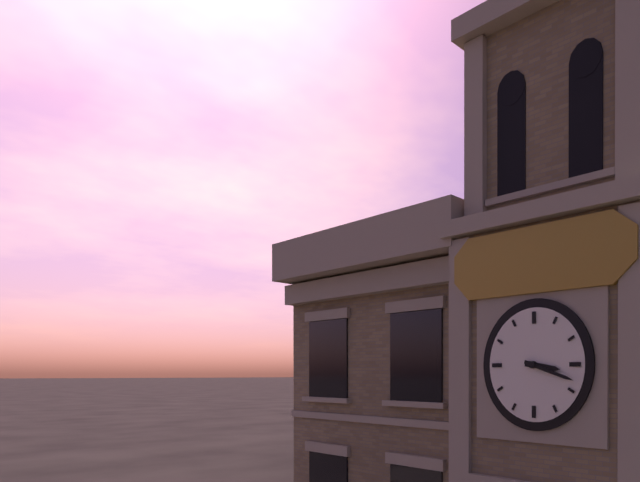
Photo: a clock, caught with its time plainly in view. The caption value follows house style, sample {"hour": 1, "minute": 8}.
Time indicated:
{"hour": 3, "minute": 18}
